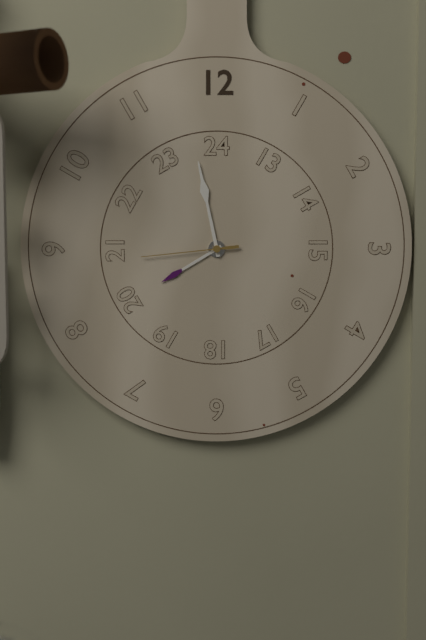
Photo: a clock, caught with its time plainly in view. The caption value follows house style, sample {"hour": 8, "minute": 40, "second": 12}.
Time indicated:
{"hour": 7, "minute": 58, "second": 44}
